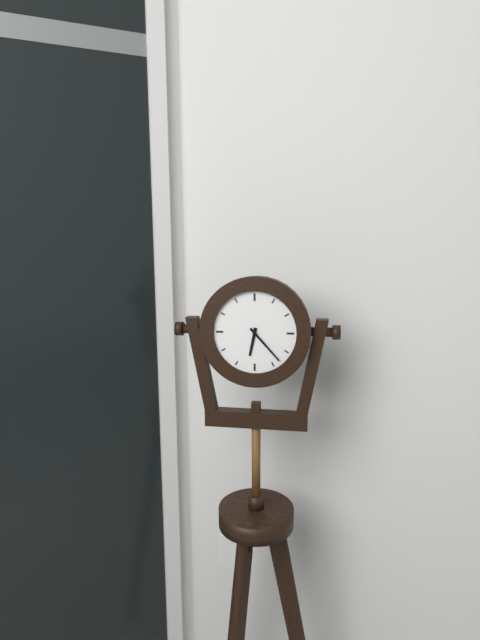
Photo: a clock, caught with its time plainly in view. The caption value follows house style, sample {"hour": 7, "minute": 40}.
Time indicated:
{"hour": 6, "minute": 23}
